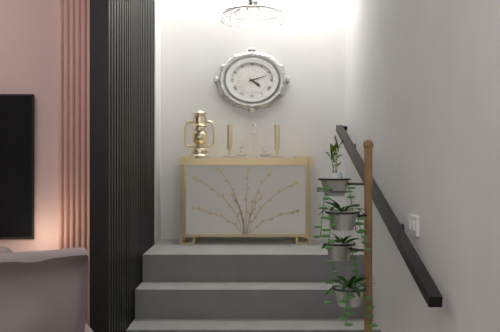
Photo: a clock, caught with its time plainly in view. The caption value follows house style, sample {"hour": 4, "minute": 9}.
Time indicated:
{"hour": 4, "minute": 12}
